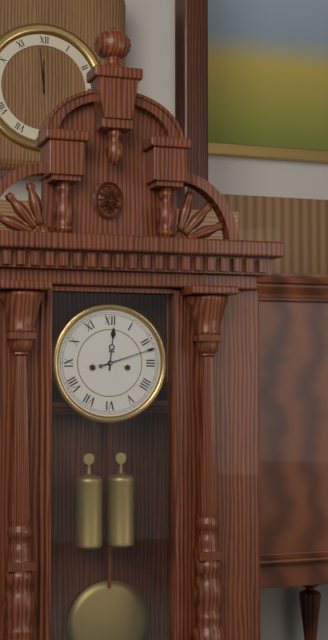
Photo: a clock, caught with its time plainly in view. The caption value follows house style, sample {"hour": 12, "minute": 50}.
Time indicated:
{"hour": 12, "minute": 12}
